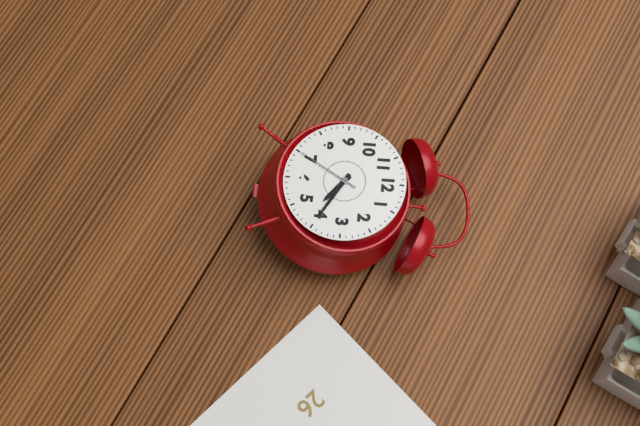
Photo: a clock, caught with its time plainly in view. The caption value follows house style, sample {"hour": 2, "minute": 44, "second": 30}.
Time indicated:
{"hour": 4, "minute": 20, "second": 35}
